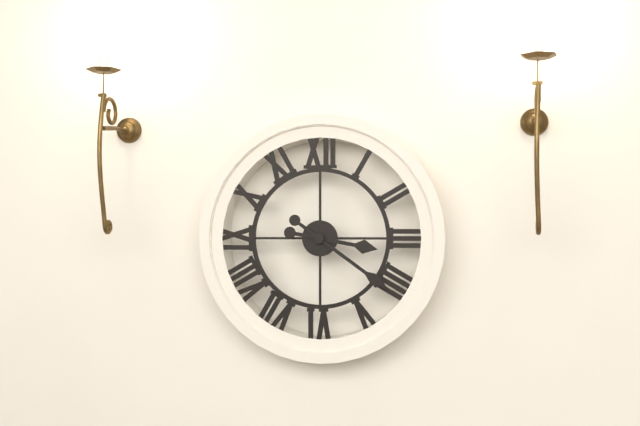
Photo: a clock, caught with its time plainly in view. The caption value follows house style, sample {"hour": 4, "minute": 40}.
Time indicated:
{"hour": 3, "minute": 21}
